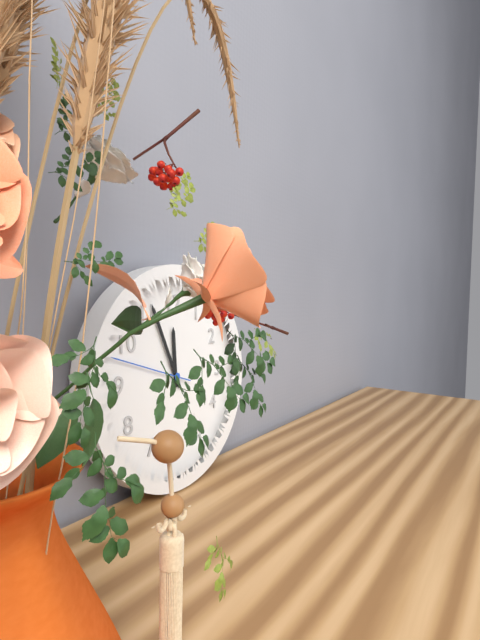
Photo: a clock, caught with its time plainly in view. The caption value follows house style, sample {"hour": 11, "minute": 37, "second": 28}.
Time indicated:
{"hour": 11, "minute": 56, "second": 48}
